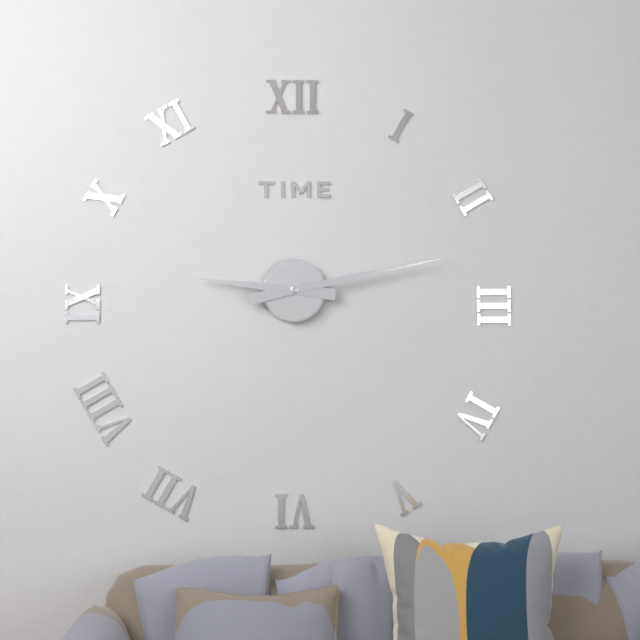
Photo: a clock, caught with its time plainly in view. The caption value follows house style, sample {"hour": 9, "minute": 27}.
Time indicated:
{"hour": 9, "minute": 13}
